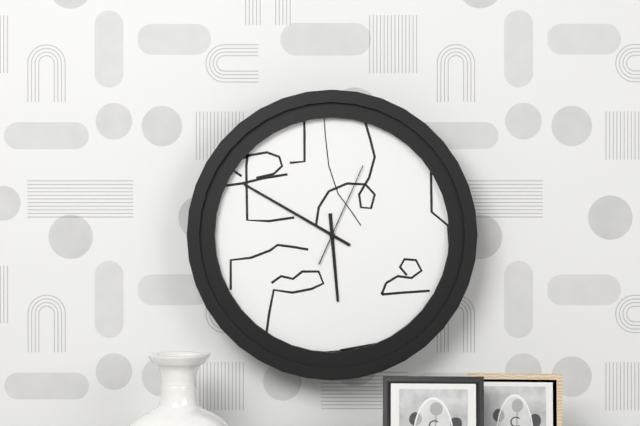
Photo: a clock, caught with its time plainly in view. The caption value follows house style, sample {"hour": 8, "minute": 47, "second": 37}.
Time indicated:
{"hour": 5, "minute": 50, "second": 4}
